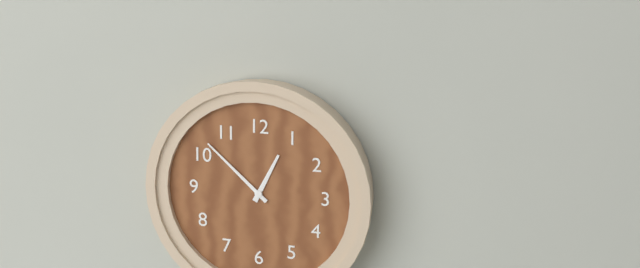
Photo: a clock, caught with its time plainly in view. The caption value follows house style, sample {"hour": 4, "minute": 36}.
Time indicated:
{"hour": 12, "minute": 52}
